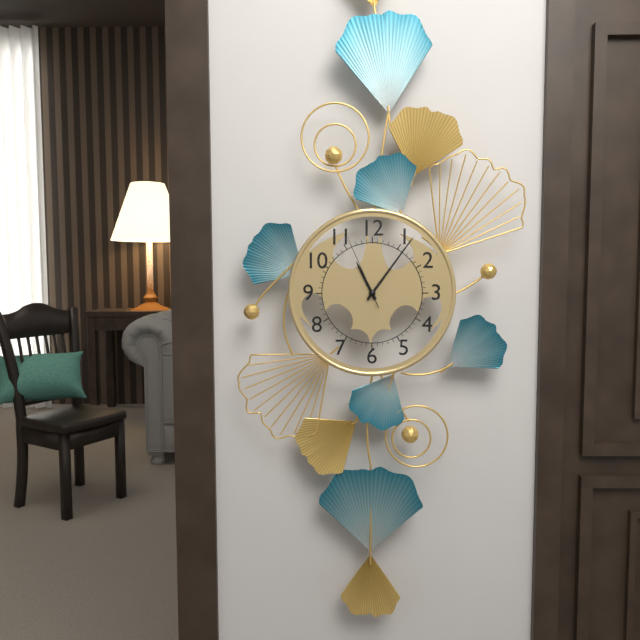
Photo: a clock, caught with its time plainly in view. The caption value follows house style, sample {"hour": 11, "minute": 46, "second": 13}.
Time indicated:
{"hour": 11, "minute": 6, "second": 56}
